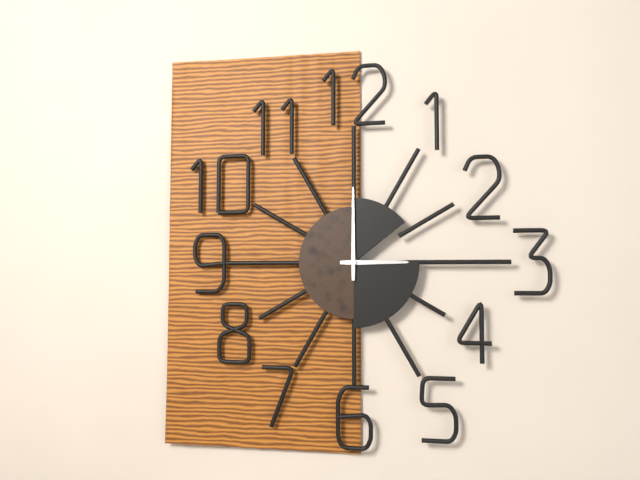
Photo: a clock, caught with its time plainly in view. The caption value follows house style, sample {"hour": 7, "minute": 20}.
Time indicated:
{"hour": 3, "minute": 0}
